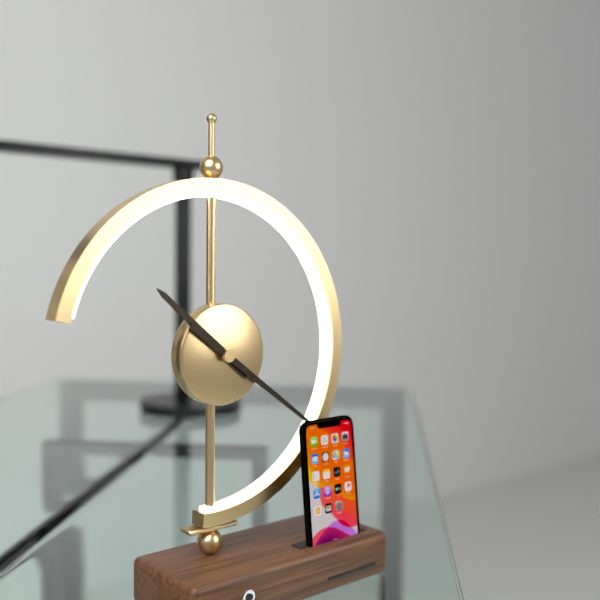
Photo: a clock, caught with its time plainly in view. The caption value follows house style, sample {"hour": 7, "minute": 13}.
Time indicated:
{"hour": 10, "minute": 21}
